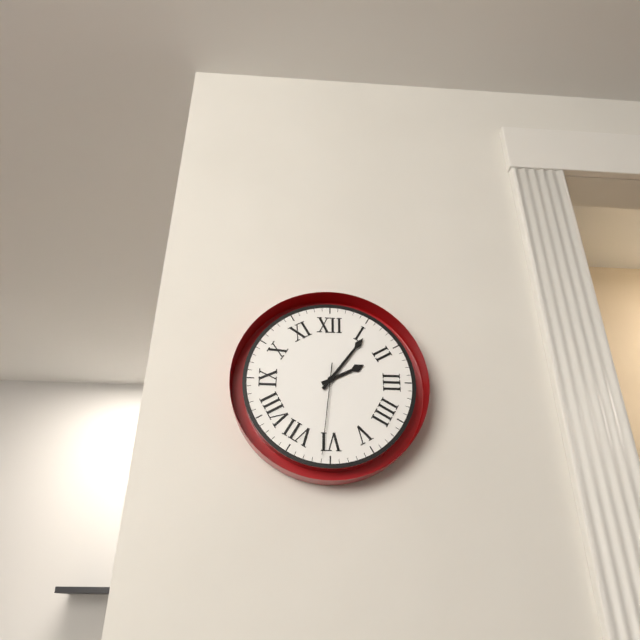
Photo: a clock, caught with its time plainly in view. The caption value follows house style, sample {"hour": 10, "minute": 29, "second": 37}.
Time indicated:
{"hour": 2, "minute": 6, "second": 31}
